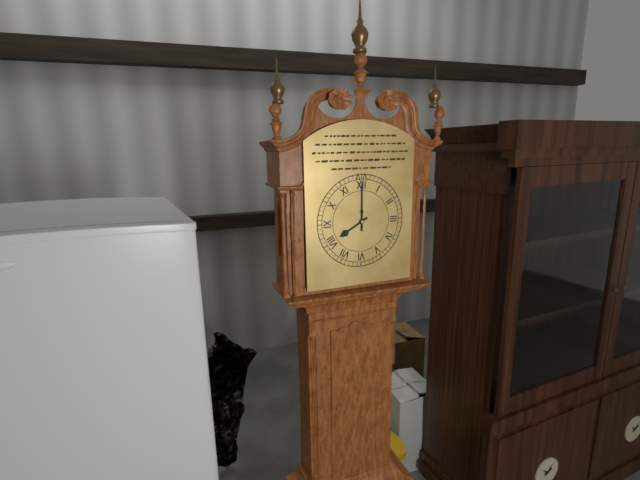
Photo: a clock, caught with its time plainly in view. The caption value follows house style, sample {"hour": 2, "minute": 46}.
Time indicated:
{"hour": 8, "minute": 0}
